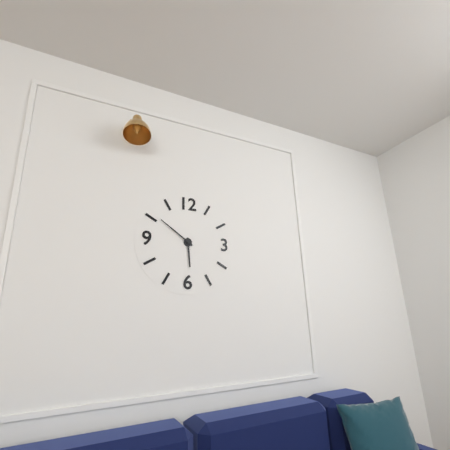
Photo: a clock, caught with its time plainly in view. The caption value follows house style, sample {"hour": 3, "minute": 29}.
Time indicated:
{"hour": 5, "minute": 51}
